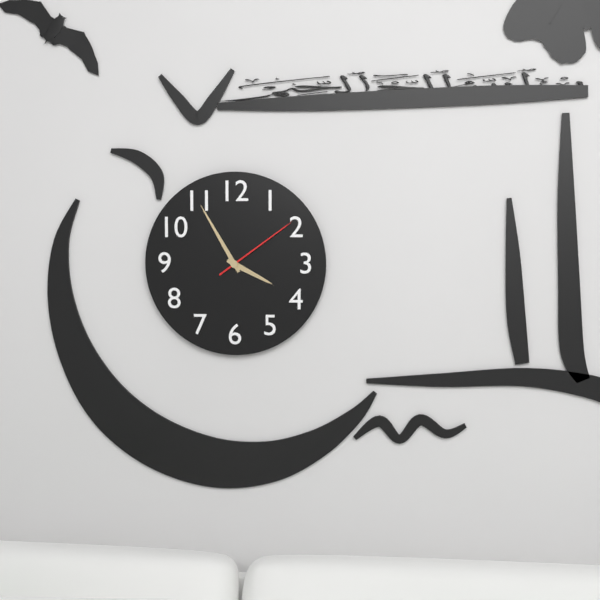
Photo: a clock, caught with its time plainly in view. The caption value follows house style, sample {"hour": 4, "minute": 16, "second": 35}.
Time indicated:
{"hour": 3, "minute": 55, "second": 9}
